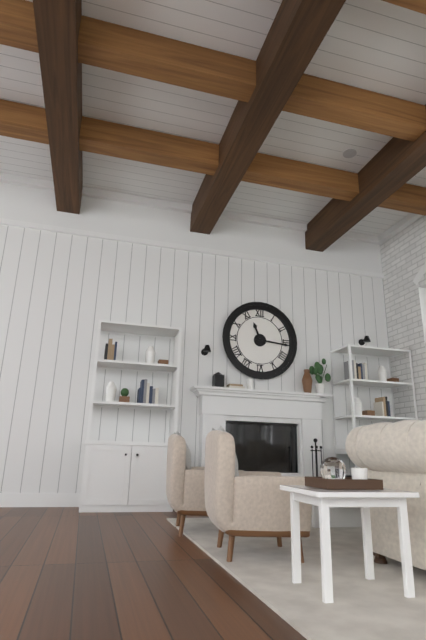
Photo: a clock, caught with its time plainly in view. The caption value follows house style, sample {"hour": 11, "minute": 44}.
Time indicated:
{"hour": 11, "minute": 16}
